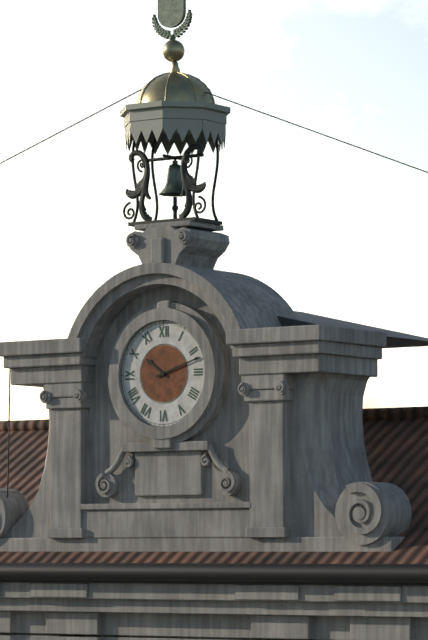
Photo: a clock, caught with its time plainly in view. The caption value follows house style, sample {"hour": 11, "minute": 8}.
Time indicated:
{"hour": 10, "minute": 12}
